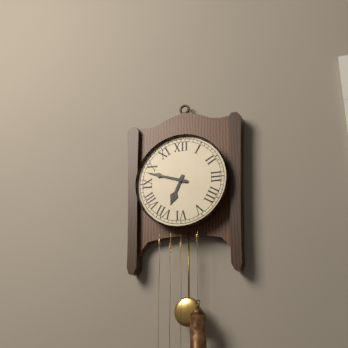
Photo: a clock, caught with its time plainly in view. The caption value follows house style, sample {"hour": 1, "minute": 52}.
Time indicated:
{"hour": 6, "minute": 48}
